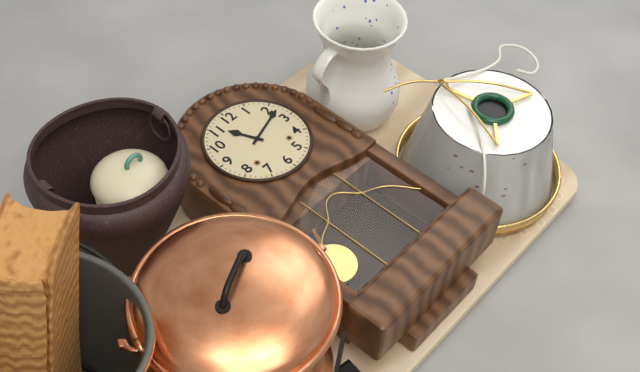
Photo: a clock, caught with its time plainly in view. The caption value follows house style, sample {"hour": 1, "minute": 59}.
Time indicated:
{"hour": 11, "minute": 12}
